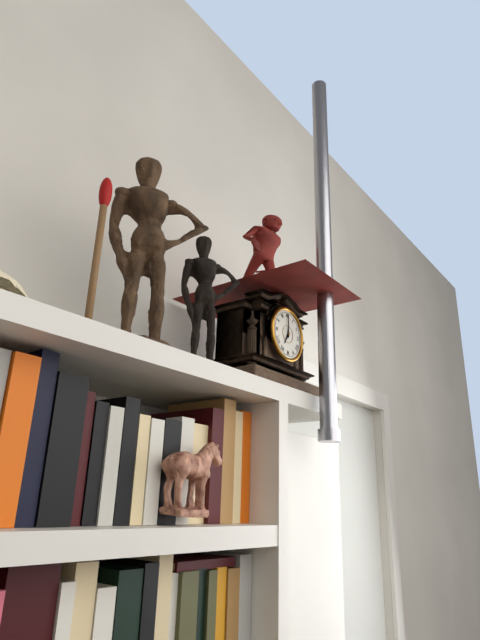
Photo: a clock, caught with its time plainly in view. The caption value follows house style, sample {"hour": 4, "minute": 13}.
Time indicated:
{"hour": 7, "minute": 0}
